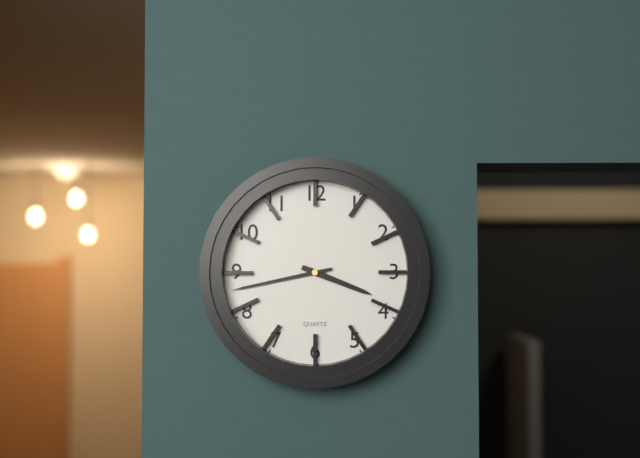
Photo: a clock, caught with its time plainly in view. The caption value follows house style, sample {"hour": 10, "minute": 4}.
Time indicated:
{"hour": 3, "minute": 43}
